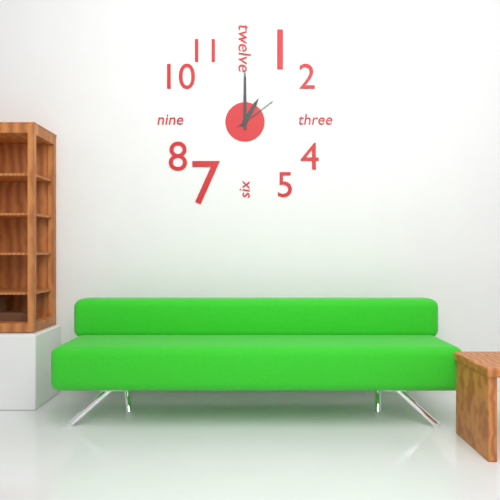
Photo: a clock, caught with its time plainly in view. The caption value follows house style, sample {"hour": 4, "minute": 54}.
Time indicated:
{"hour": 1, "minute": 0}
